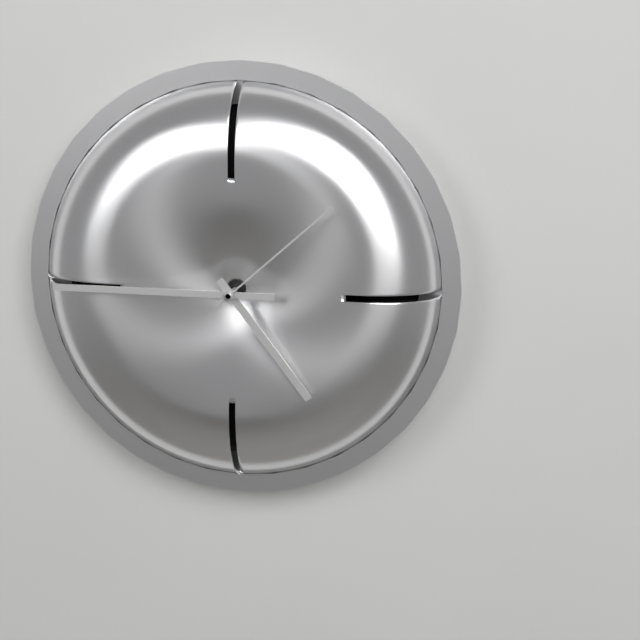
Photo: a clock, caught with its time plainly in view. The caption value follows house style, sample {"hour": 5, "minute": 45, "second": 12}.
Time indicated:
{"hour": 4, "minute": 45, "second": 8}
